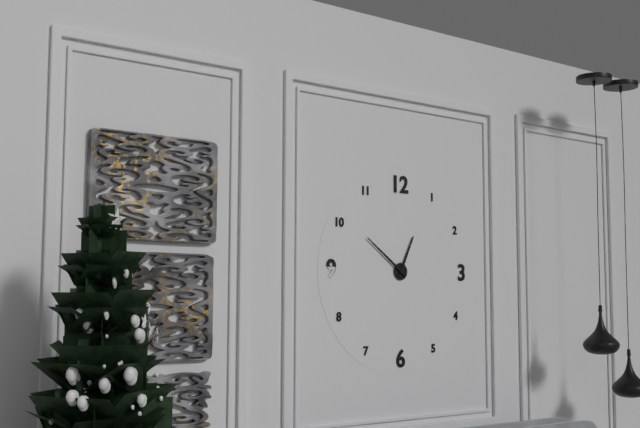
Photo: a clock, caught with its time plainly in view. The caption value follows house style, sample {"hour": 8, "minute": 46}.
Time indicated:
{"hour": 12, "minute": 51}
